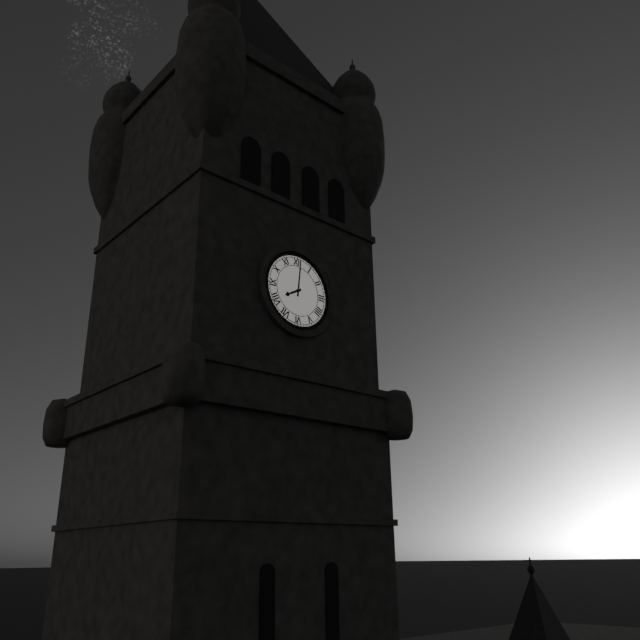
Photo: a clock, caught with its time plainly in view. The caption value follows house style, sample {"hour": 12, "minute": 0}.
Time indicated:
{"hour": 8, "minute": 1}
